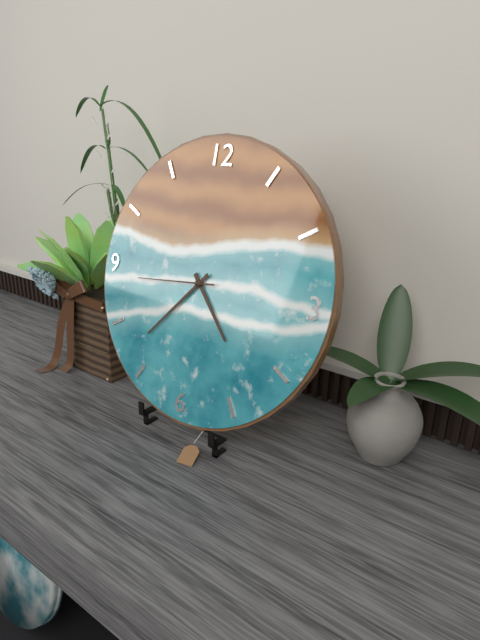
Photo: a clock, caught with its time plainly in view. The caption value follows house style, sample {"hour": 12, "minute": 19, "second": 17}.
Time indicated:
{"hour": 4, "minute": 37, "second": 44}
